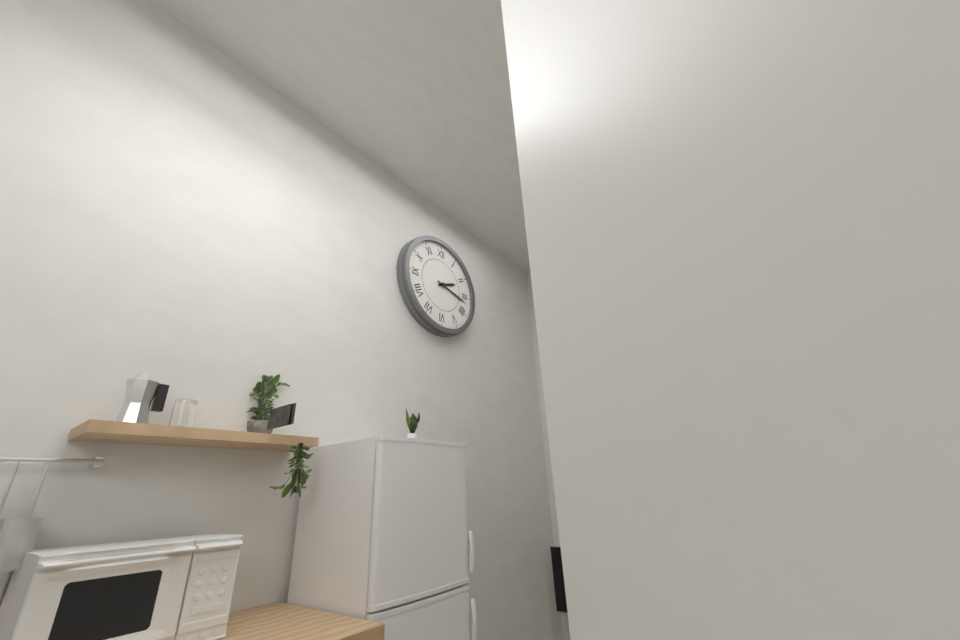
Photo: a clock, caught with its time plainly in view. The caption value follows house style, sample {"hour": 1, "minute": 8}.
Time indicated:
{"hour": 2, "minute": 17}
